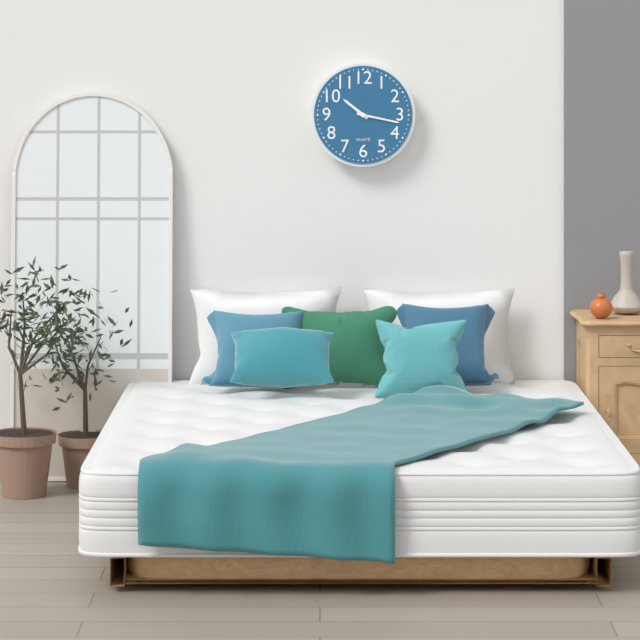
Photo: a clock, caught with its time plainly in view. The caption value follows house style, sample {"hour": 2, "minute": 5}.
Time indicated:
{"hour": 10, "minute": 17}
